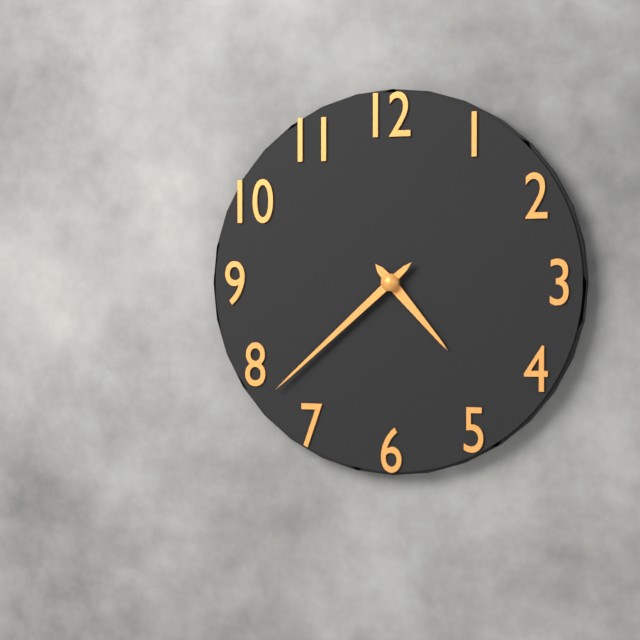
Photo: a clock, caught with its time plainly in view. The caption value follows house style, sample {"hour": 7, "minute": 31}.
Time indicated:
{"hour": 4, "minute": 38}
